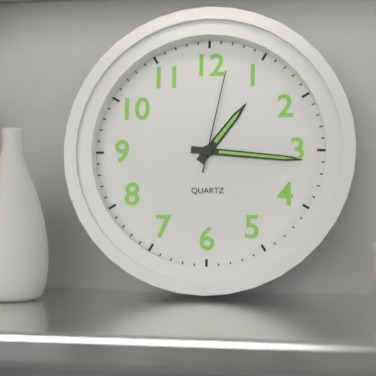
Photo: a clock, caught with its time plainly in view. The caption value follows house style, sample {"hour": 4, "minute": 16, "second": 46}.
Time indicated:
{"hour": 1, "minute": 16, "second": 2}
